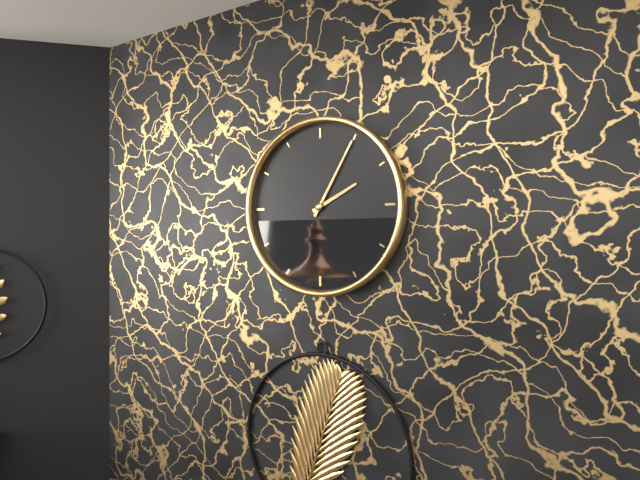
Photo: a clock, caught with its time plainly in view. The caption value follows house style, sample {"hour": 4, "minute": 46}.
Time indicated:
{"hour": 2, "minute": 5}
